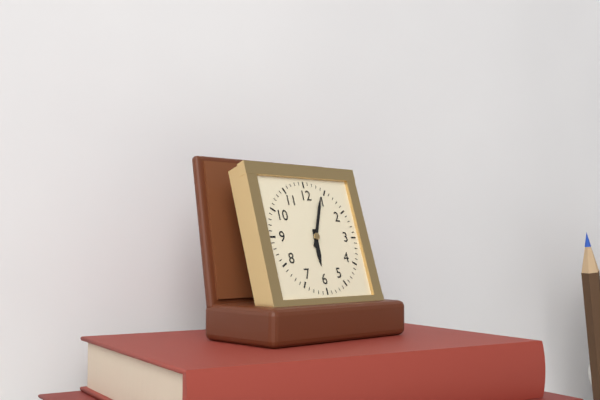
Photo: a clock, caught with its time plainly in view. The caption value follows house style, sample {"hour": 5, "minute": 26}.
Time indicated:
{"hour": 6, "minute": 4}
